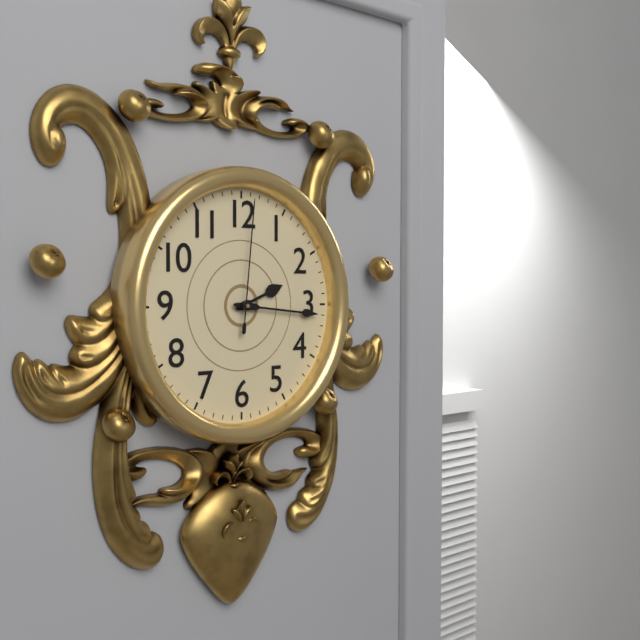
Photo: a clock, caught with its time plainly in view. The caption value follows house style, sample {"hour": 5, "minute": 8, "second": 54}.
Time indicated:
{"hour": 2, "minute": 16, "second": 1}
